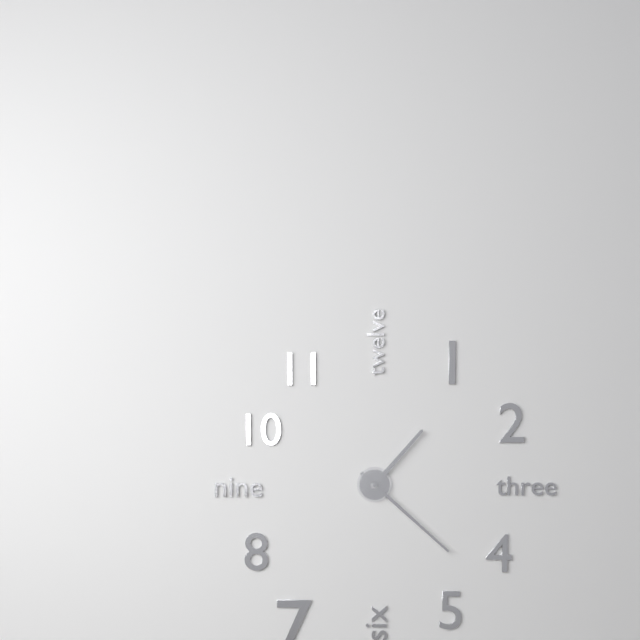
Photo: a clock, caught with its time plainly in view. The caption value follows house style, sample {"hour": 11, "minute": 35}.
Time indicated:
{"hour": 1, "minute": 22}
